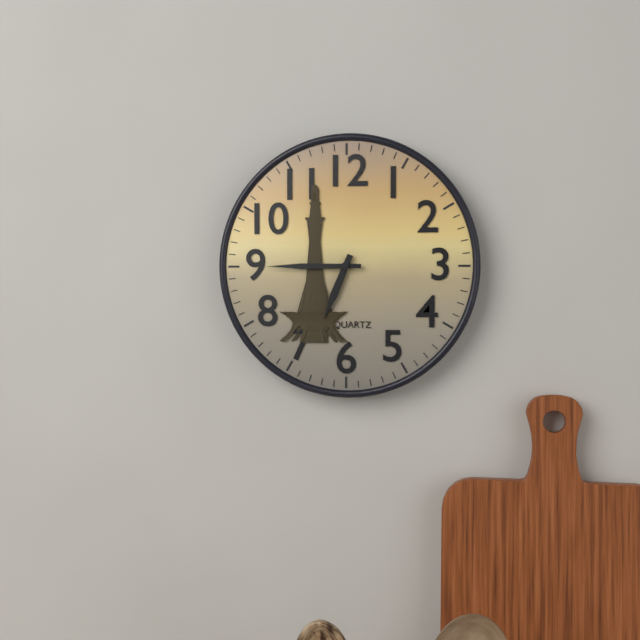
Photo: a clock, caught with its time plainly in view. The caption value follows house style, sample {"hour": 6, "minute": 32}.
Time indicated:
{"hour": 6, "minute": 45}
